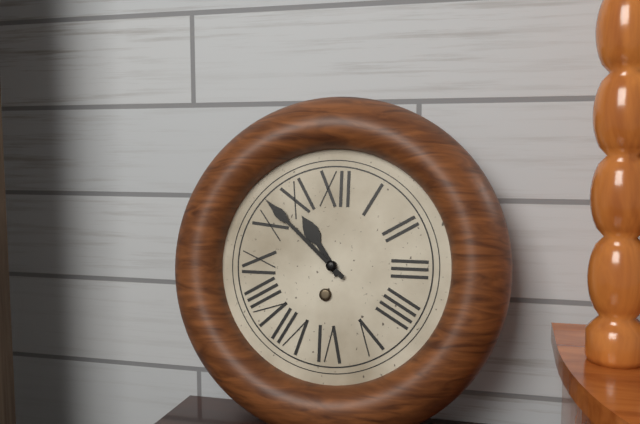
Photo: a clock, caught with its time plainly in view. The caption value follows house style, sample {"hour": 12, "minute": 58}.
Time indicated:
{"hour": 10, "minute": 52}
